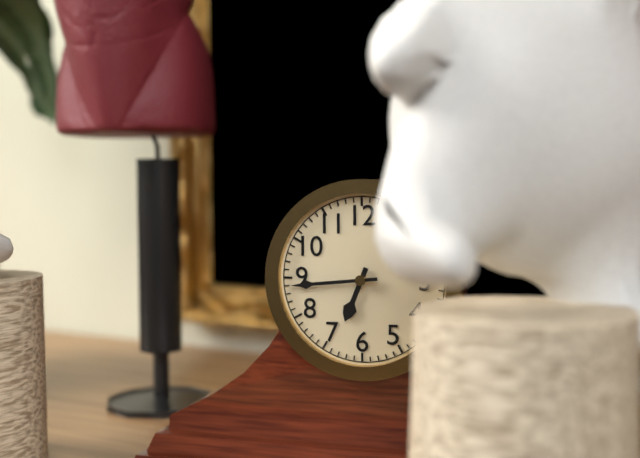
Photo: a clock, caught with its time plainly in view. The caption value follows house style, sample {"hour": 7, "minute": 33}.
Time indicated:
{"hour": 6, "minute": 44}
